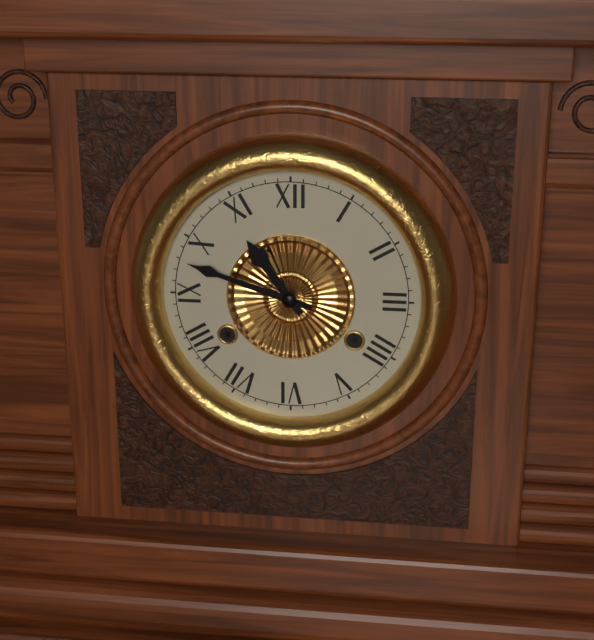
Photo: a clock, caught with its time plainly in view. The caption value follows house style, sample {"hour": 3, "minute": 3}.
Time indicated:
{"hour": 10, "minute": 48}
